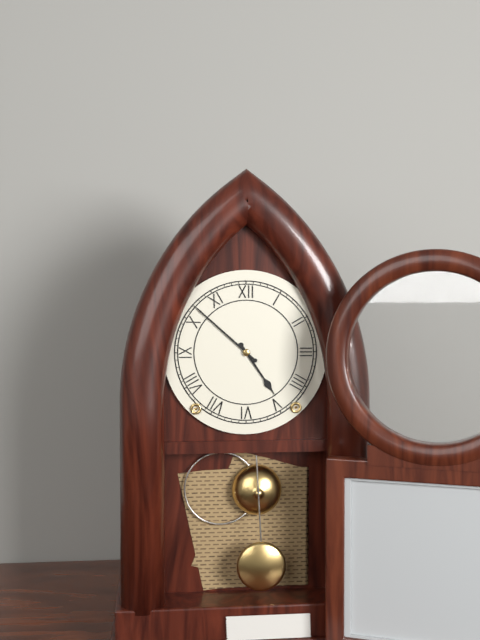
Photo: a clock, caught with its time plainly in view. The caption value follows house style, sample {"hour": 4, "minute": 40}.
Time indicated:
{"hour": 4, "minute": 52}
